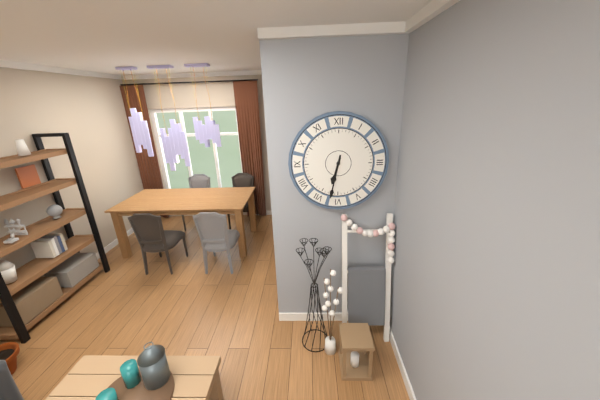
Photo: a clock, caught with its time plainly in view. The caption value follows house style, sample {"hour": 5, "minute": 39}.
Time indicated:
{"hour": 6, "minute": 32}
